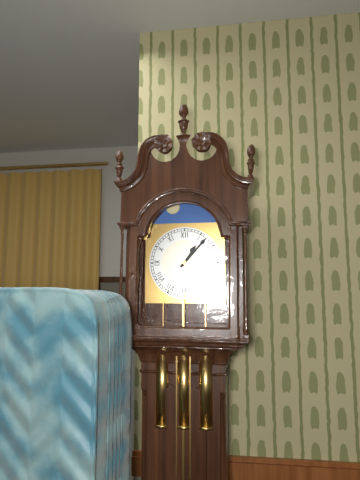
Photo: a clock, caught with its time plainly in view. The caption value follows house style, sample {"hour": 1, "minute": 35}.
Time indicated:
{"hour": 1, "minute": 7}
